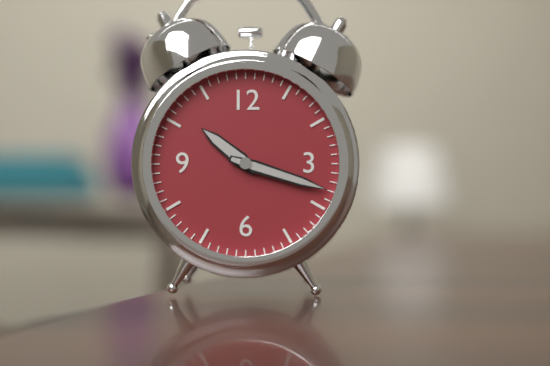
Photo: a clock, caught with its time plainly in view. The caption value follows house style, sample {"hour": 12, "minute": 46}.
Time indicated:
{"hour": 10, "minute": 18}
